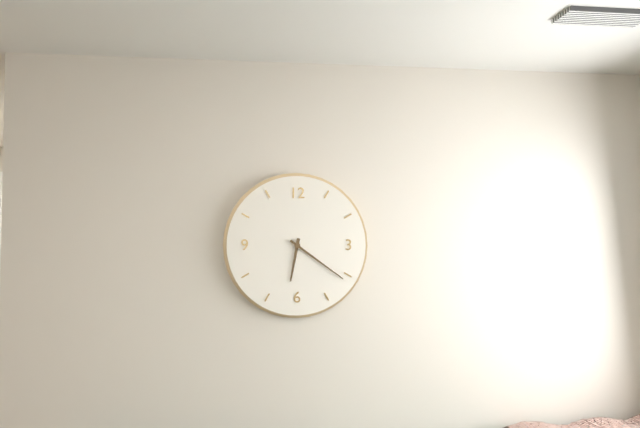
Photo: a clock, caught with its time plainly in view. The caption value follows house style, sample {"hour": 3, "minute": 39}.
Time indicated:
{"hour": 6, "minute": 21}
